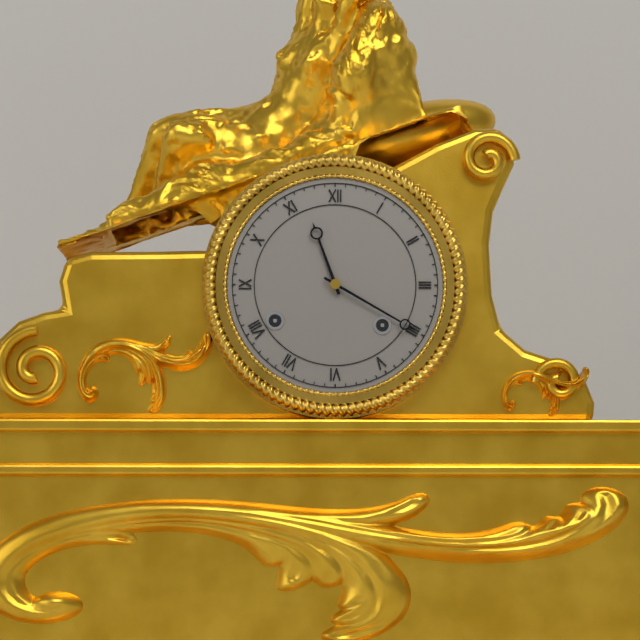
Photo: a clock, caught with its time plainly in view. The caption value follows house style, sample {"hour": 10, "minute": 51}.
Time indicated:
{"hour": 11, "minute": 20}
